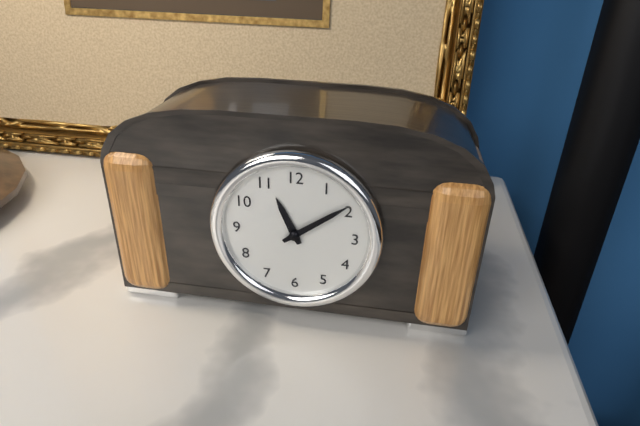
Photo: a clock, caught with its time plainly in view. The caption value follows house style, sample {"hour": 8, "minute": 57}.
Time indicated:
{"hour": 11, "minute": 9}
